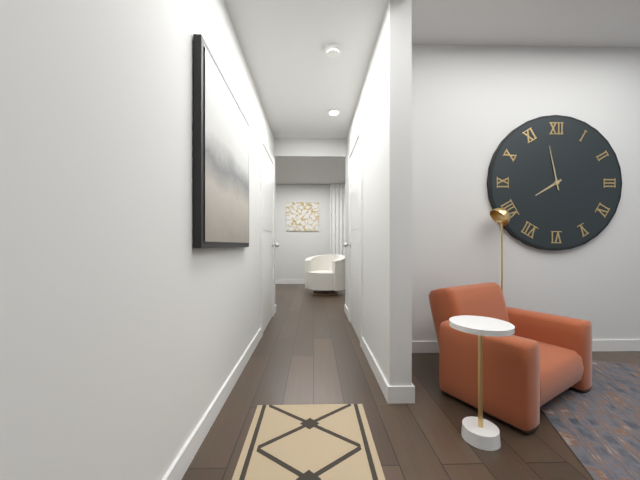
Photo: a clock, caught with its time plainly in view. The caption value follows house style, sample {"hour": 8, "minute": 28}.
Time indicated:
{"hour": 7, "minute": 58}
